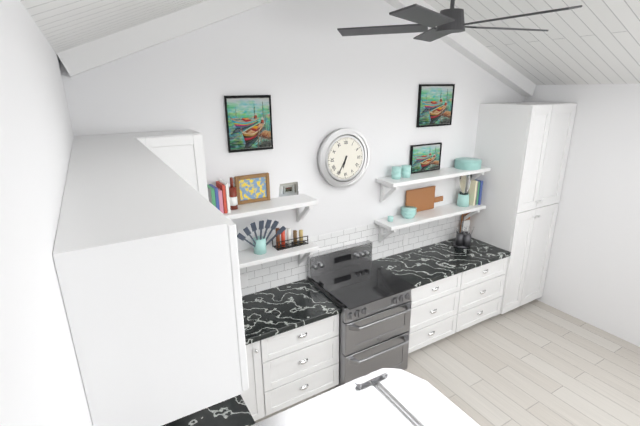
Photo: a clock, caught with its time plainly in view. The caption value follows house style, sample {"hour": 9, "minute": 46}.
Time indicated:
{"hour": 6, "minute": 35}
